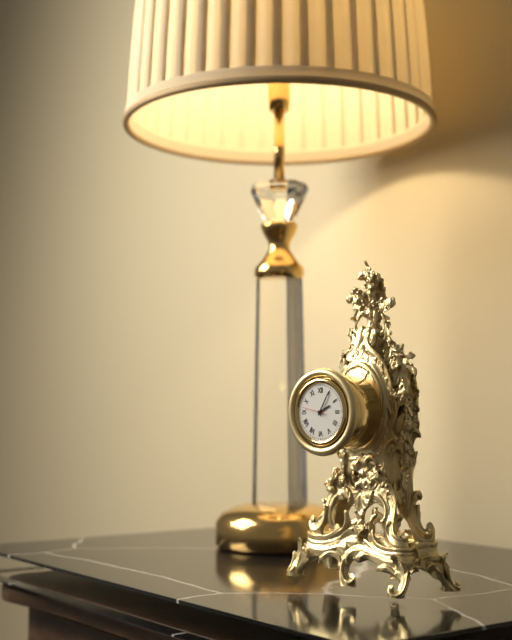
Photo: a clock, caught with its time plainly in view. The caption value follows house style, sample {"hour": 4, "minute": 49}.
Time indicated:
{"hour": 2, "minute": 5}
